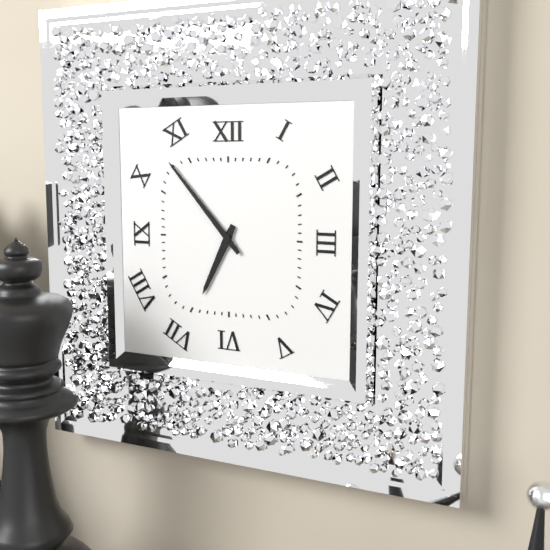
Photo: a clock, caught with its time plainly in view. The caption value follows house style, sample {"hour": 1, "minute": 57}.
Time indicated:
{"hour": 6, "minute": 53}
